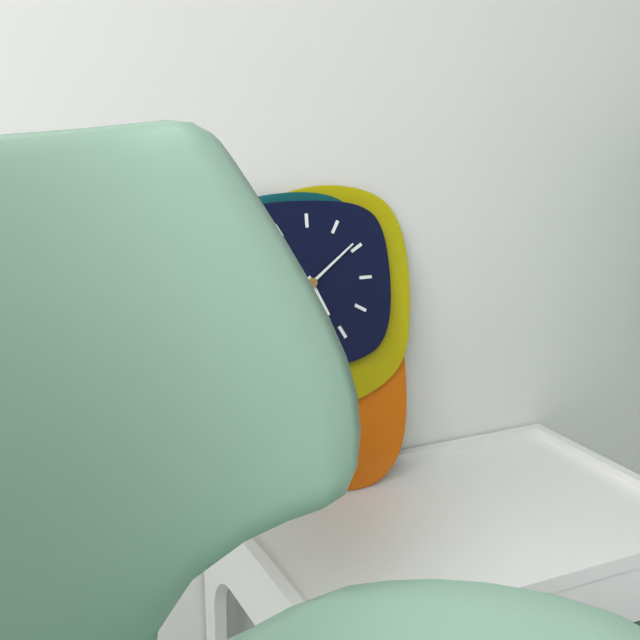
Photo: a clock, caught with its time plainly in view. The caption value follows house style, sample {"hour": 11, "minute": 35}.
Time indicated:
{"hour": 5, "minute": 9}
